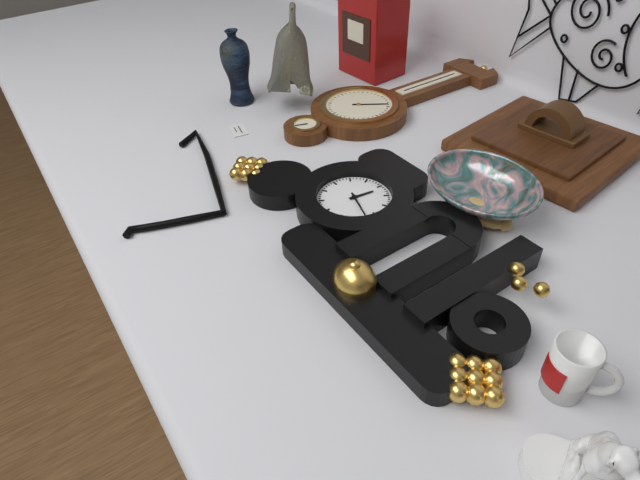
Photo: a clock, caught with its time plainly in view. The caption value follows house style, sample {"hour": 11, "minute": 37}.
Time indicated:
{"hour": 12, "minute": 18}
